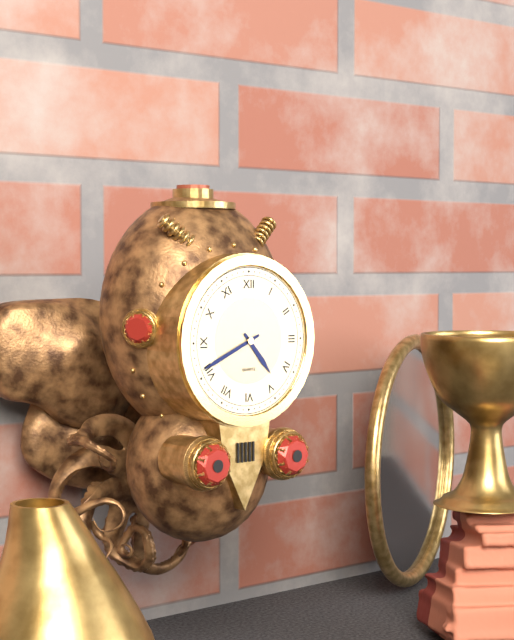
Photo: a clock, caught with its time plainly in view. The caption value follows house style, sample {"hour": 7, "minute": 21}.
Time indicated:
{"hour": 4, "minute": 41}
